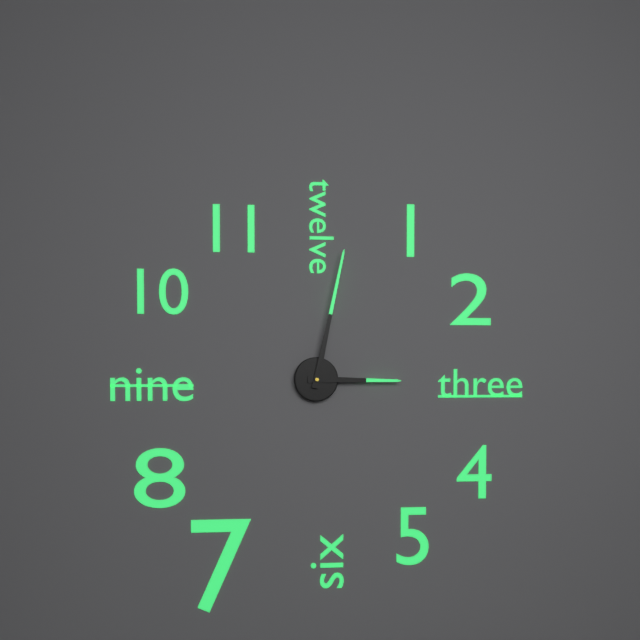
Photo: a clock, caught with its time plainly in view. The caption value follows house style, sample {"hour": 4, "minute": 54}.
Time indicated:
{"hour": 3, "minute": 2}
